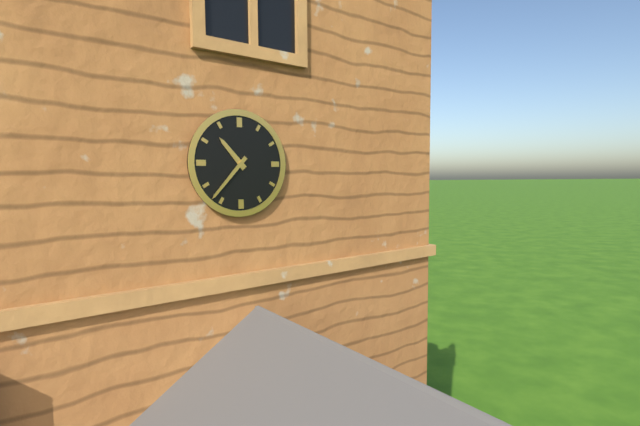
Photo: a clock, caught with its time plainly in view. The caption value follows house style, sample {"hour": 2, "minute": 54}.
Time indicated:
{"hour": 10, "minute": 37}
